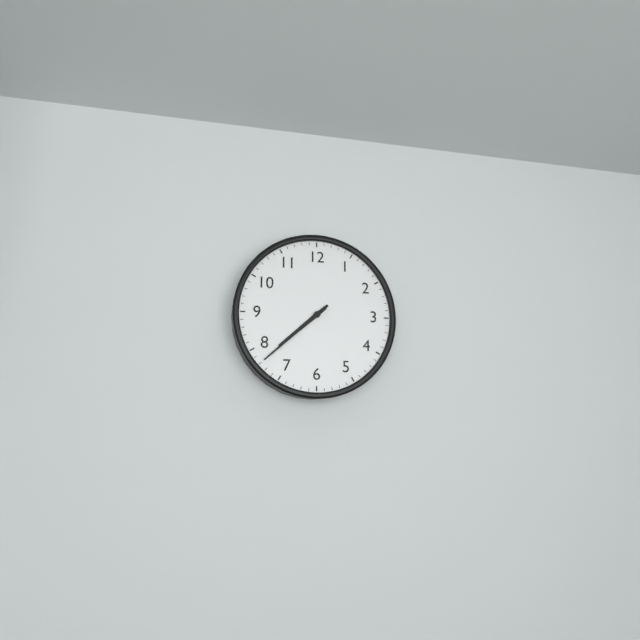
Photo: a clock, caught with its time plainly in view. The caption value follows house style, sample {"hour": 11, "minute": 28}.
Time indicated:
{"hour": 7, "minute": 38}
